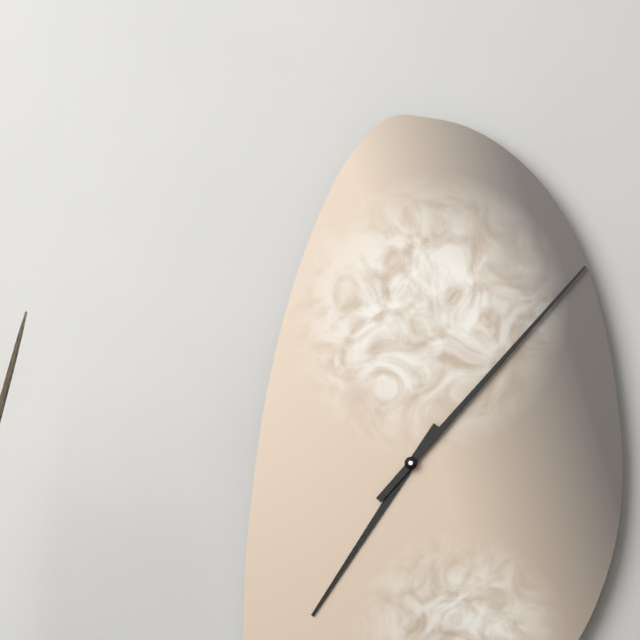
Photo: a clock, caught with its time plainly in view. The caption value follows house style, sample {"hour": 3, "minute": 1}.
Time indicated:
{"hour": 7, "minute": 7}
